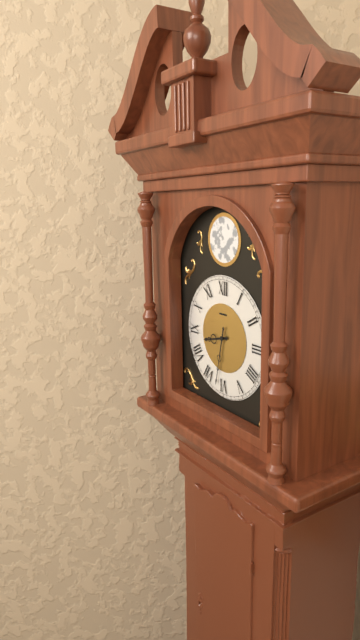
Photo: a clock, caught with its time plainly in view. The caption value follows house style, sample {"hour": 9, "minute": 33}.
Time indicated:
{"hour": 8, "minute": 32}
